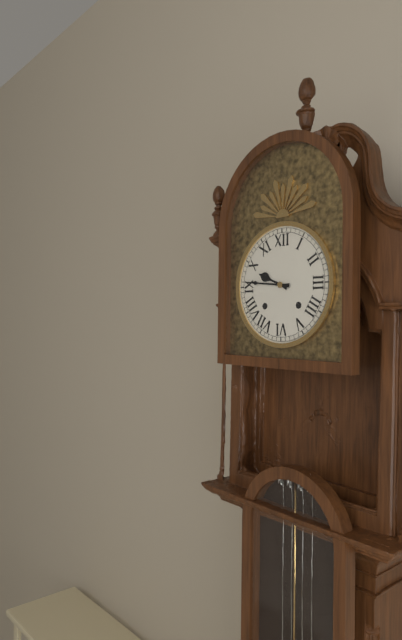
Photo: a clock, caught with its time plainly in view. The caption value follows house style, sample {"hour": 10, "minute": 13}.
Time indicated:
{"hour": 9, "minute": 46}
